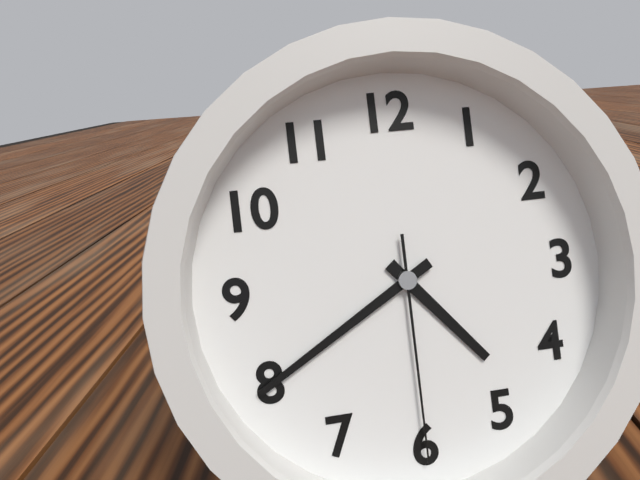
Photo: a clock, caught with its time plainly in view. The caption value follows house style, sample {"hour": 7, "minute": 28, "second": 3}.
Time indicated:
{"hour": 4, "minute": 40, "second": 30}
